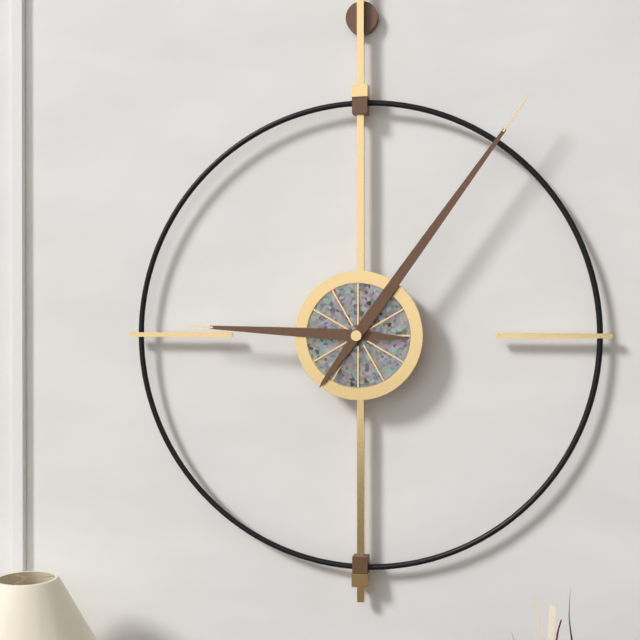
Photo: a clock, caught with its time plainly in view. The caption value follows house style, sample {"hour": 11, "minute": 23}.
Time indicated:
{"hour": 9, "minute": 6}
